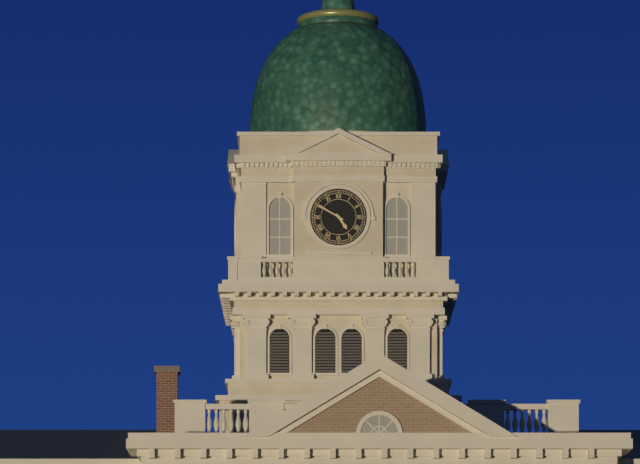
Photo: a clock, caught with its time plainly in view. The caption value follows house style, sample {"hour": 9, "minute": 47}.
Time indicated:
{"hour": 4, "minute": 50}
